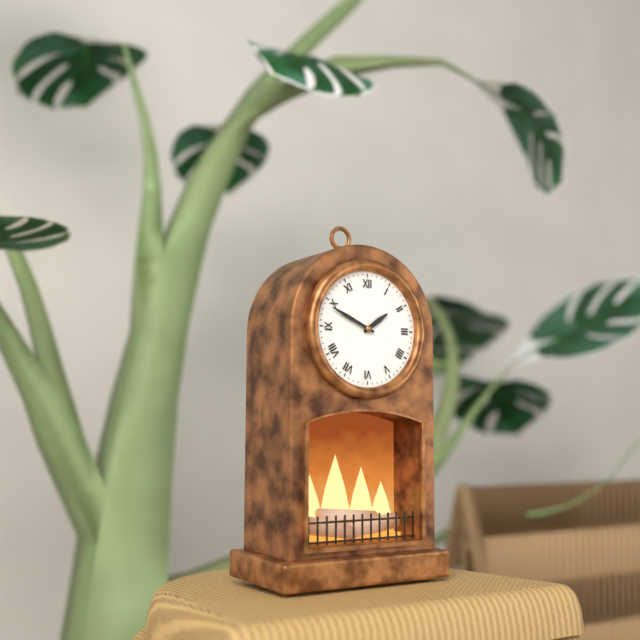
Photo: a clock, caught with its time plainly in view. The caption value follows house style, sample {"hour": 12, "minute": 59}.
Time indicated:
{"hour": 1, "minute": 49}
